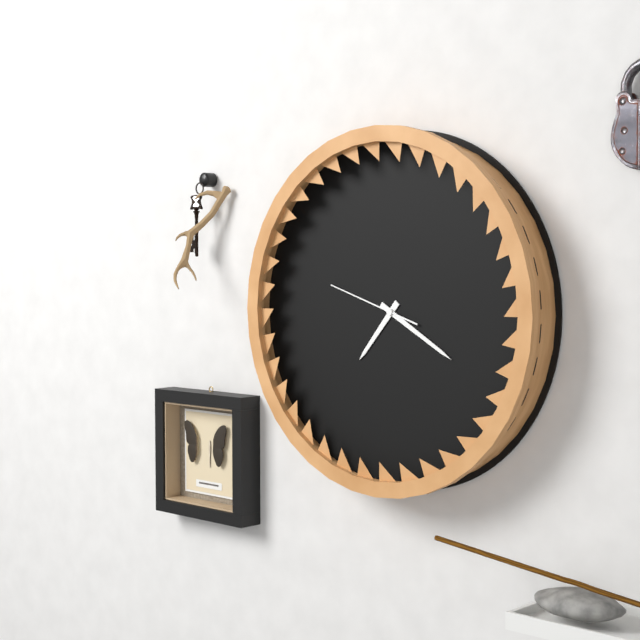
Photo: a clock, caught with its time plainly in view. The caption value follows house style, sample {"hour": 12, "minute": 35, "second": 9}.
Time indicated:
{"hour": 7, "minute": 20, "second": 48}
